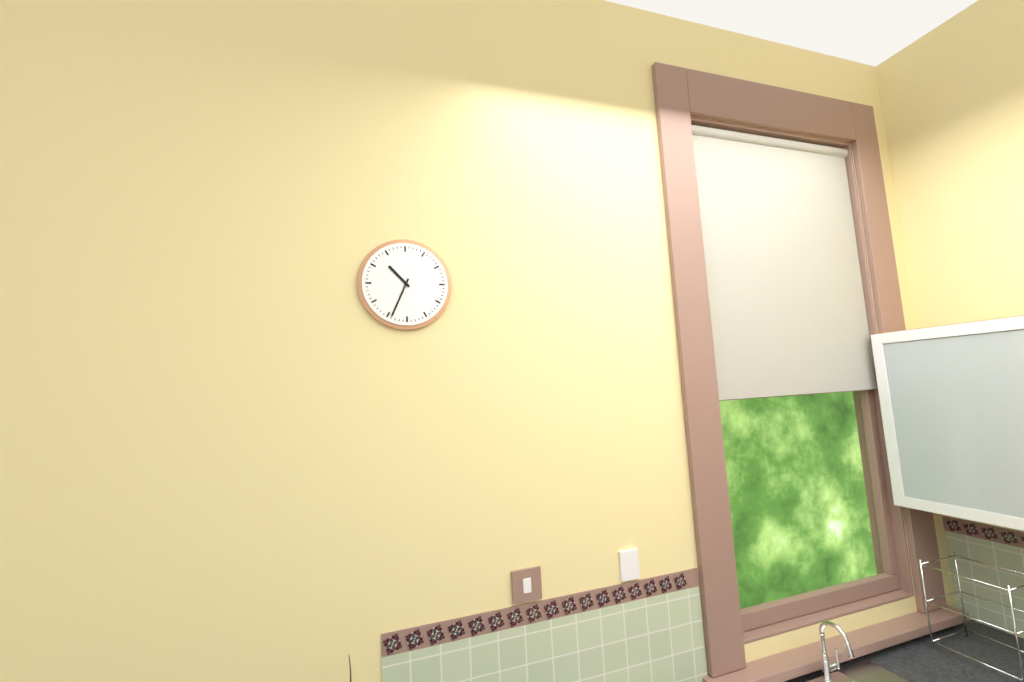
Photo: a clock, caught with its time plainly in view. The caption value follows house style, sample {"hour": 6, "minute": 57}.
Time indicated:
{"hour": 10, "minute": 34}
